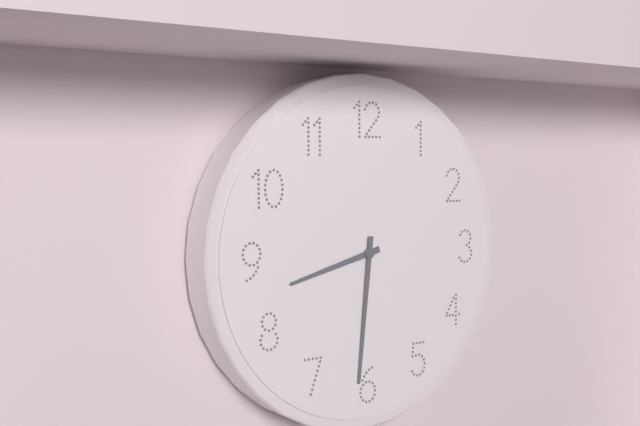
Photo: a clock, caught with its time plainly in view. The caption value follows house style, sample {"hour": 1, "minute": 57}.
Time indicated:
{"hour": 8, "minute": 31}
